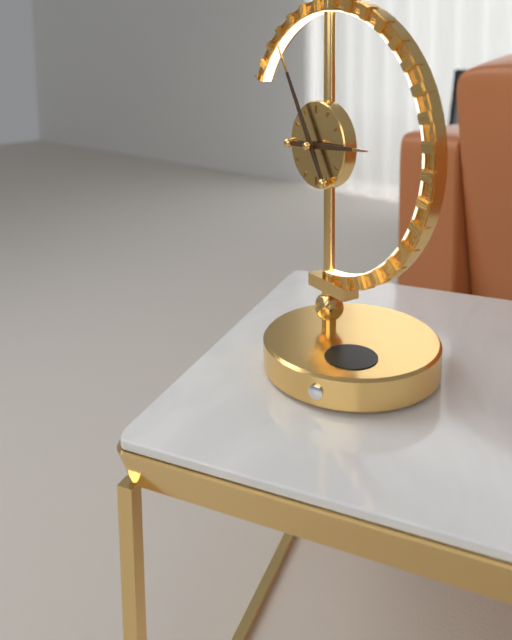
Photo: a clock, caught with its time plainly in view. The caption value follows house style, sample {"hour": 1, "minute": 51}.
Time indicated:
{"hour": 2, "minute": 55}
